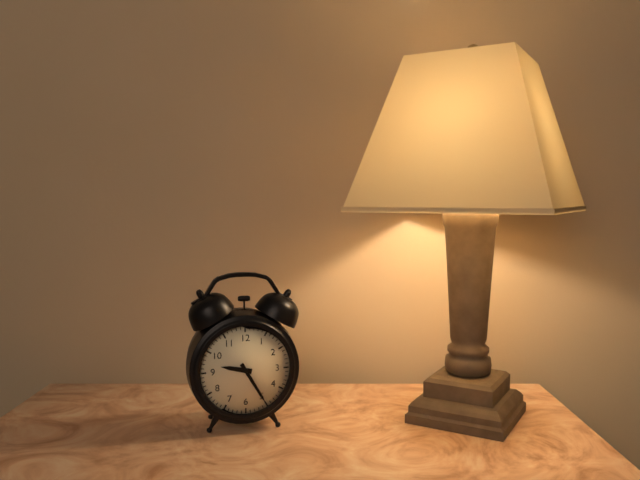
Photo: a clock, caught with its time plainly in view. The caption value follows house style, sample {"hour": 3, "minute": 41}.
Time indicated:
{"hour": 9, "minute": 25}
